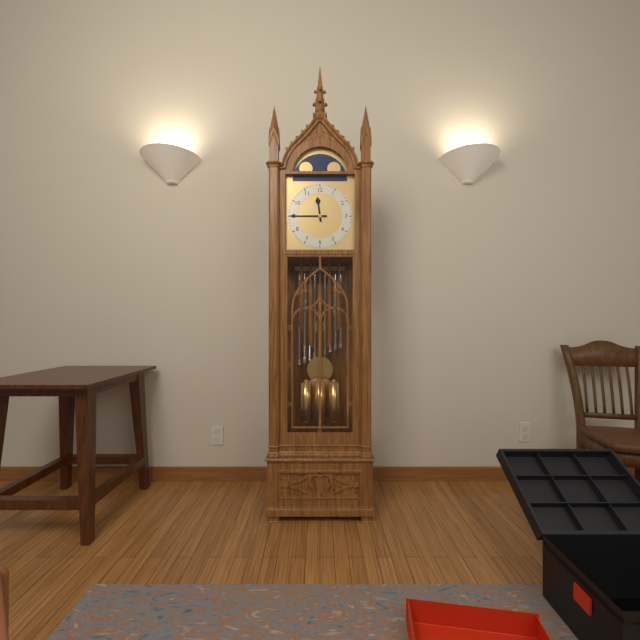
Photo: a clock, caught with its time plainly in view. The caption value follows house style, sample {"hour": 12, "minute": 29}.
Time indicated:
{"hour": 11, "minute": 45}
